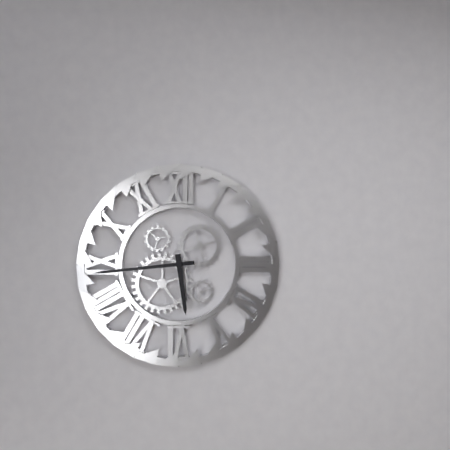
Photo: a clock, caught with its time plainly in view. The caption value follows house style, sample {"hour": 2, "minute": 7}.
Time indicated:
{"hour": 5, "minute": 44}
